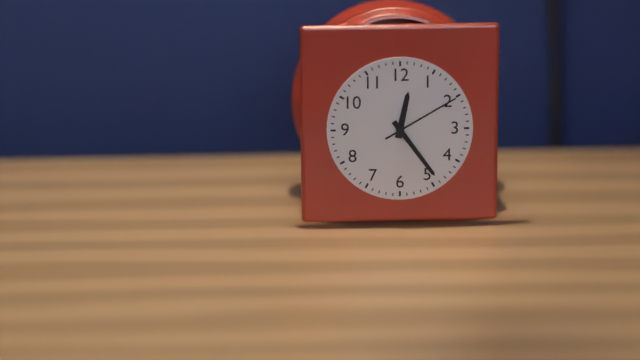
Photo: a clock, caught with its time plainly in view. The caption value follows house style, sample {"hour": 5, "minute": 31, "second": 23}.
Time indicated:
{"hour": 12, "minute": 24, "second": 10}
